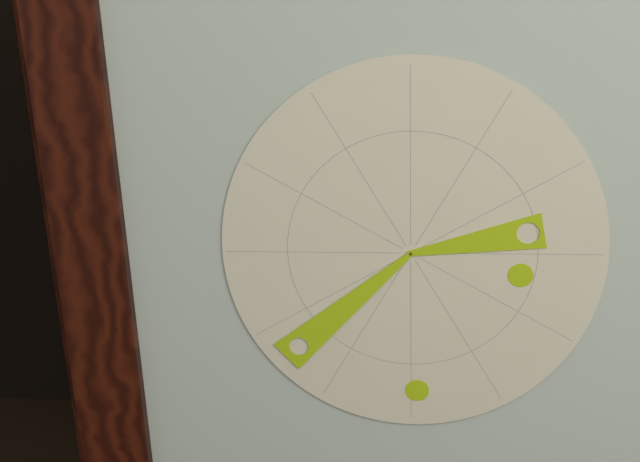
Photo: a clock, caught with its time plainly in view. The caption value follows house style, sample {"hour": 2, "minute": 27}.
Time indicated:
{"hour": 2, "minute": 38}
